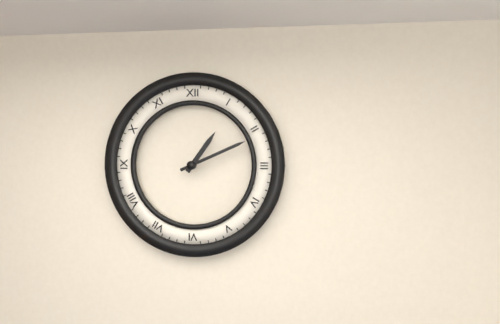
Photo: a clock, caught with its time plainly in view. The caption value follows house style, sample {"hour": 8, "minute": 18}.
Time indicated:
{"hour": 1, "minute": 11}
